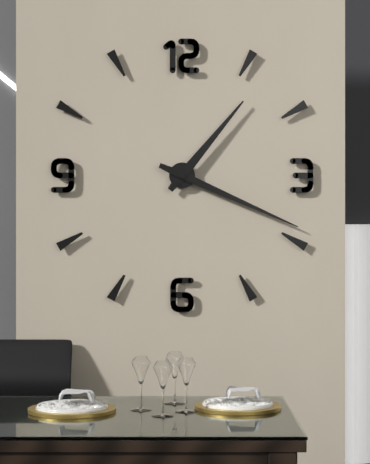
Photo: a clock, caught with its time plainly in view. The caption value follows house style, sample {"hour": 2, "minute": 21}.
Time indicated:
{"hour": 1, "minute": 19}
